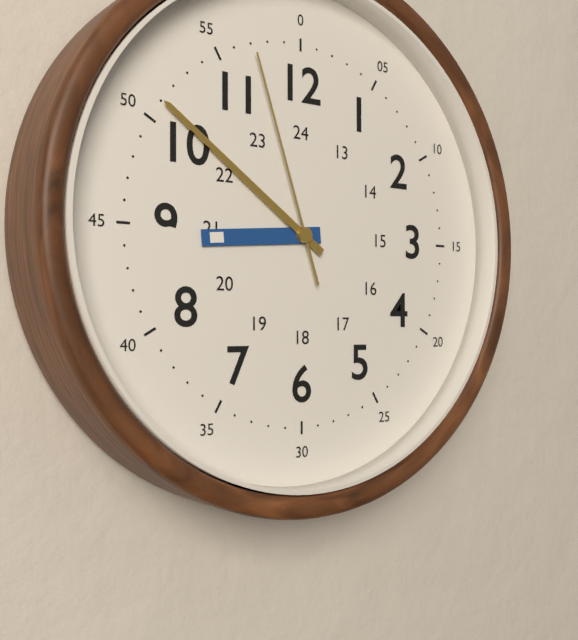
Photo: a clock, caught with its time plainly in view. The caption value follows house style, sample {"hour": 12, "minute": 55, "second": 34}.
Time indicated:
{"hour": 8, "minute": 51, "second": 57}
